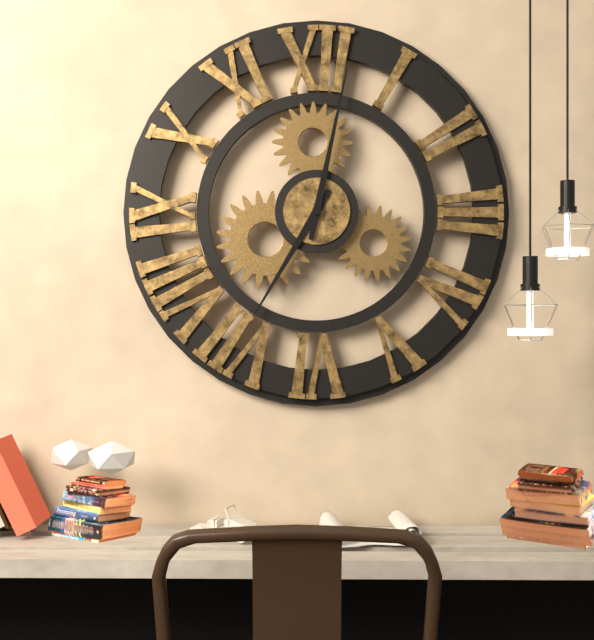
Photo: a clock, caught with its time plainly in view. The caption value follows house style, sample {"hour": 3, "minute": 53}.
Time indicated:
{"hour": 7, "minute": 2}
